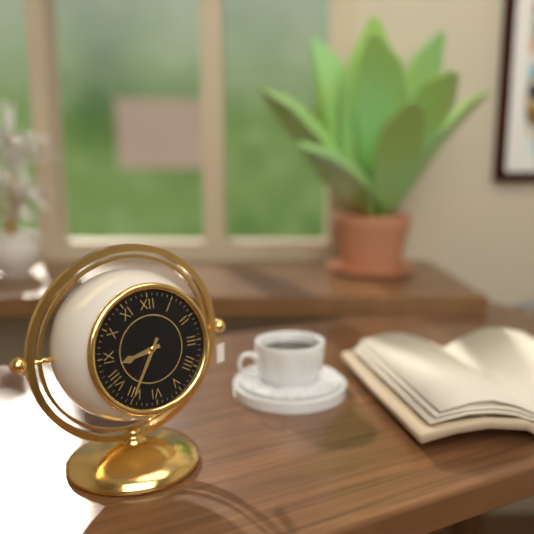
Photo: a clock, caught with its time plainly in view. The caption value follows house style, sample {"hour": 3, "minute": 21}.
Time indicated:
{"hour": 8, "minute": 35}
